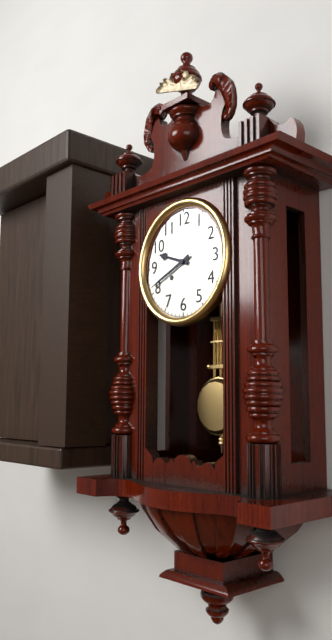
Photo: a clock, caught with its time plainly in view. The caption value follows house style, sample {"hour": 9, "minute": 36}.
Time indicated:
{"hour": 9, "minute": 41}
